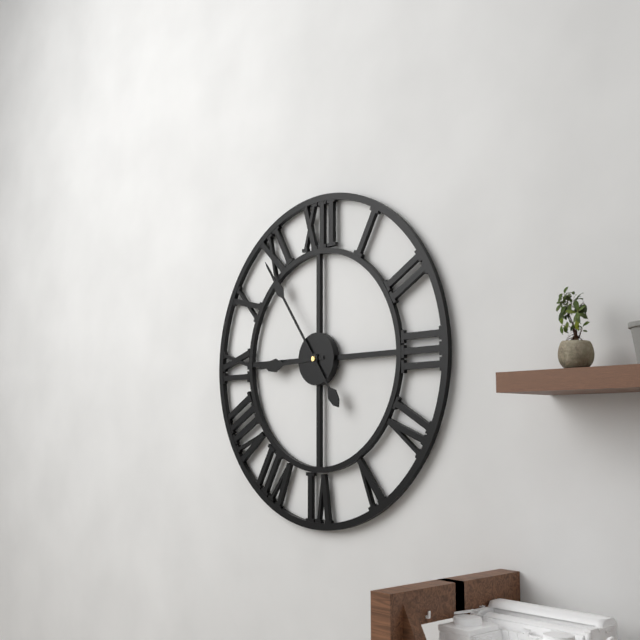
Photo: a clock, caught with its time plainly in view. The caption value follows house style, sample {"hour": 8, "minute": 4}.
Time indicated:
{"hour": 8, "minute": 54}
